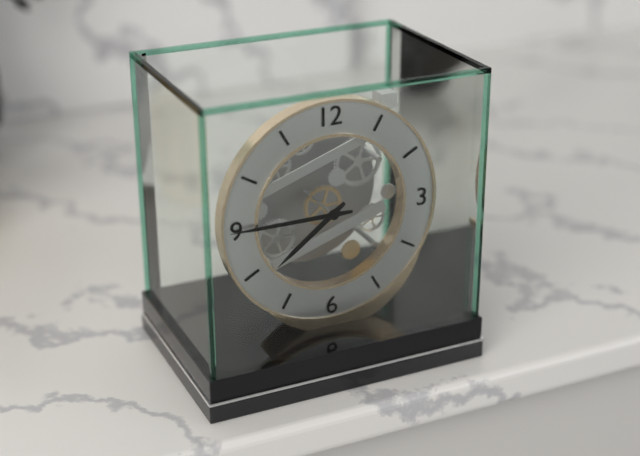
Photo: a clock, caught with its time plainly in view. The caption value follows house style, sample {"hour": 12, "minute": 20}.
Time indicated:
{"hour": 7, "minute": 45}
